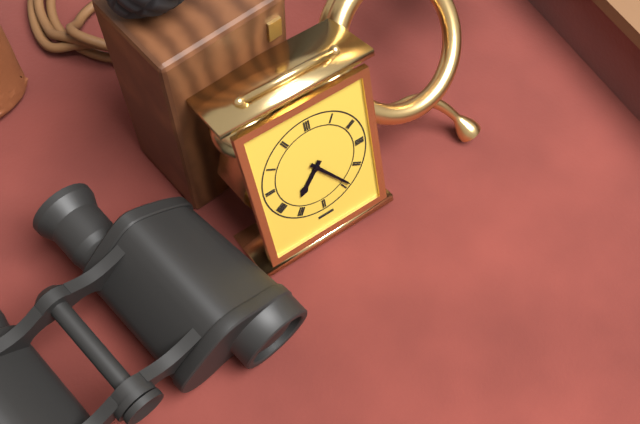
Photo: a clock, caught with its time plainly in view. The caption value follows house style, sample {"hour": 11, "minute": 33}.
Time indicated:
{"hour": 7, "minute": 24}
